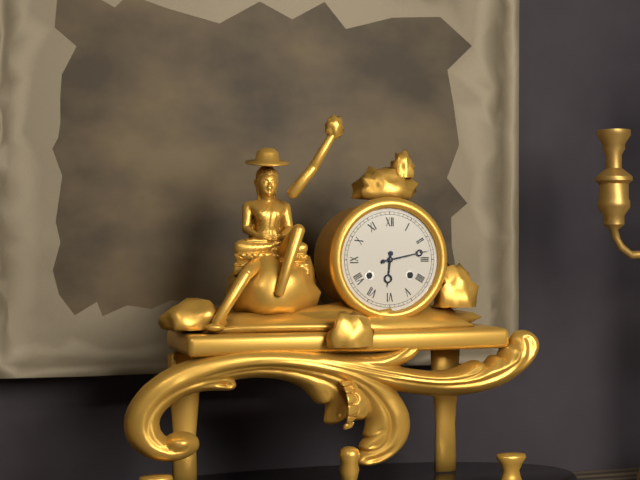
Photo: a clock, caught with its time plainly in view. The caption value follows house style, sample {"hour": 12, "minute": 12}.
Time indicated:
{"hour": 6, "minute": 13}
